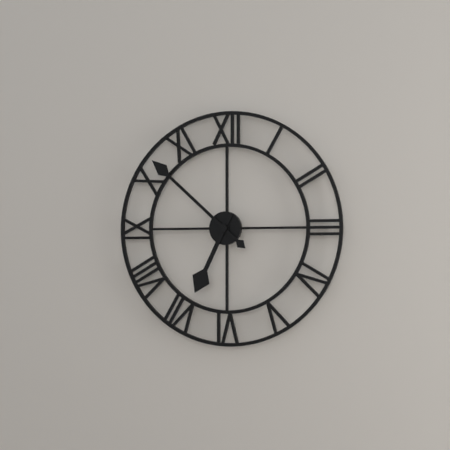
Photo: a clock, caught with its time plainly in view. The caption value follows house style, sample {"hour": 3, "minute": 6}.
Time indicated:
{"hour": 6, "minute": 52}
